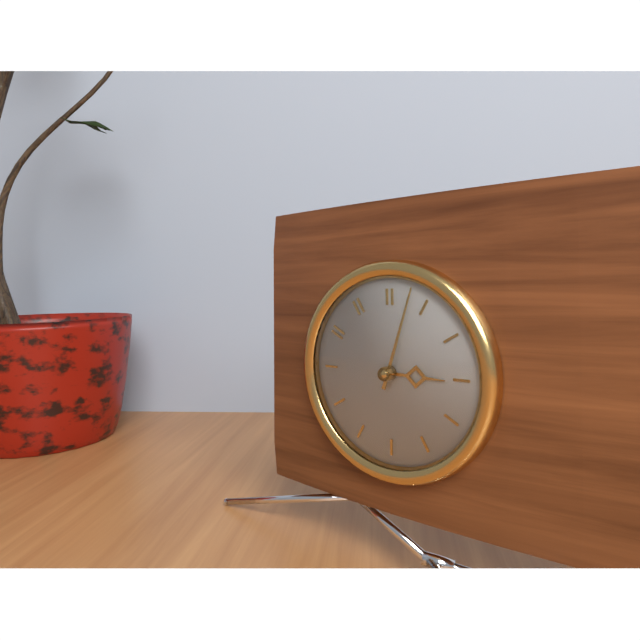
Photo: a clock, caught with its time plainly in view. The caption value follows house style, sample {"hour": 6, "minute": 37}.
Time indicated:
{"hour": 3, "minute": 3}
